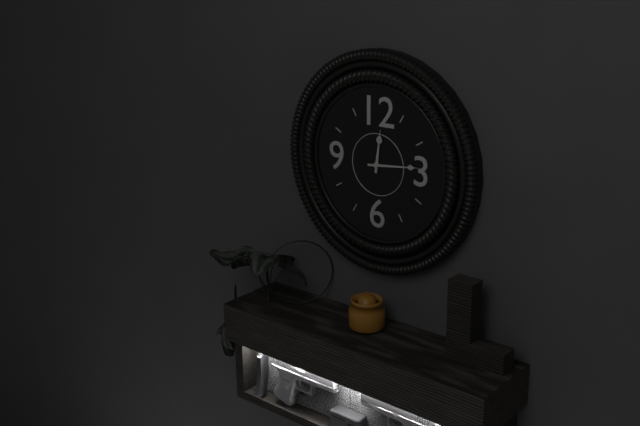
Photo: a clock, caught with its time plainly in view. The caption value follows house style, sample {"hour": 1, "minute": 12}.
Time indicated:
{"hour": 12, "minute": 14}
